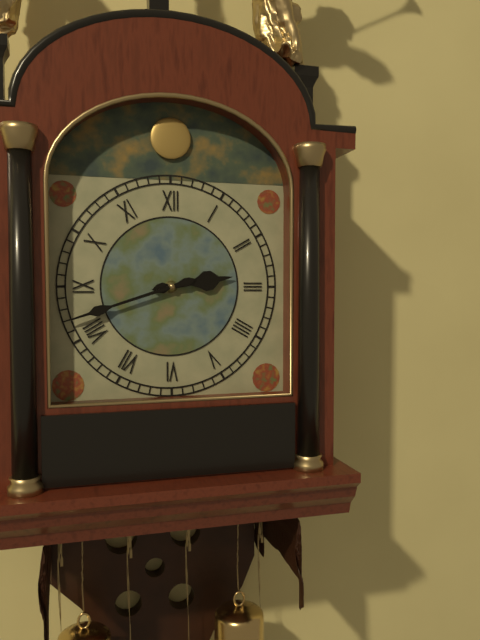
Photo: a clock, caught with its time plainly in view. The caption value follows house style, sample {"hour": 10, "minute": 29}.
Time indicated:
{"hour": 2, "minute": 42}
